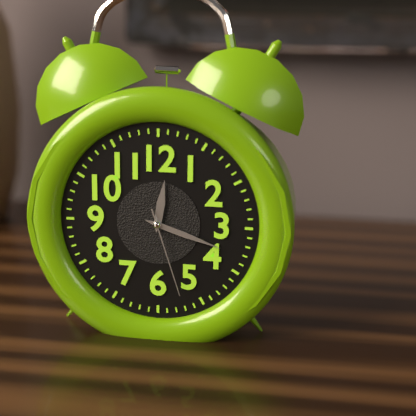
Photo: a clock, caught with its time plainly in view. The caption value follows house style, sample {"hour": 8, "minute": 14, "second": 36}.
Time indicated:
{"hour": 12, "minute": 18, "second": 27}
